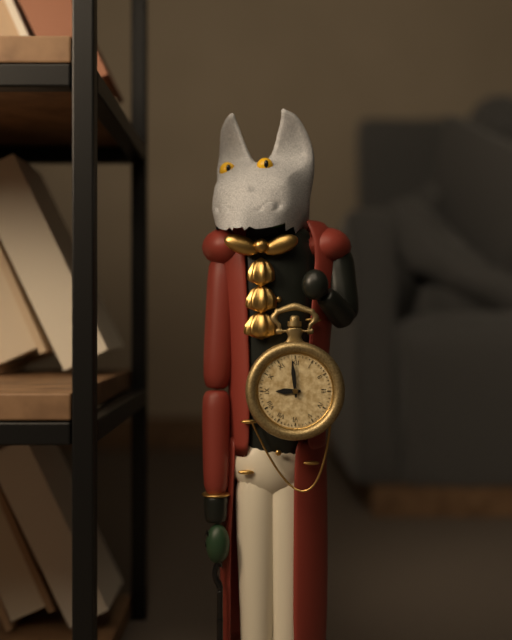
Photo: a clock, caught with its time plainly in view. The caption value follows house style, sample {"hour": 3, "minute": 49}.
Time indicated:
{"hour": 8, "minute": 59}
